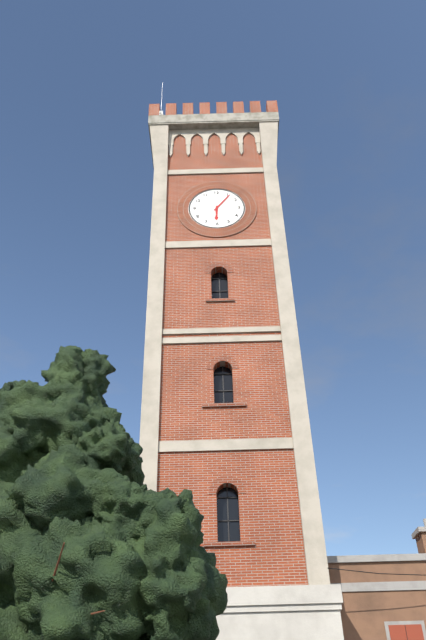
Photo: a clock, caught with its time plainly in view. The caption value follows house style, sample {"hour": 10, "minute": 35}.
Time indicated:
{"hour": 6, "minute": 6}
